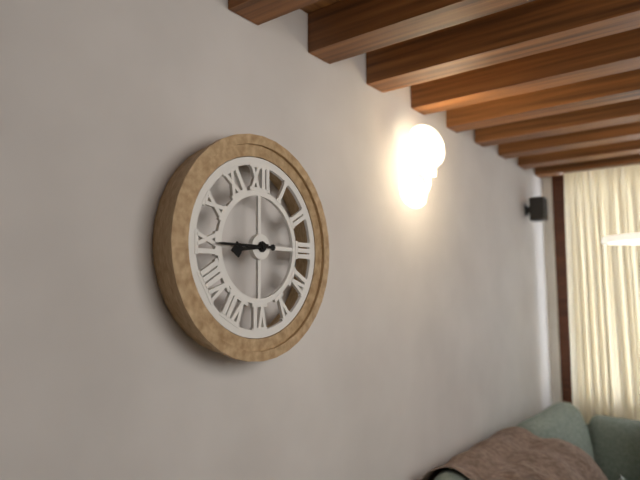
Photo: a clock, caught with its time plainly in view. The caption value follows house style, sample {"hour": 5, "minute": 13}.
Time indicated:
{"hour": 8, "minute": 45}
